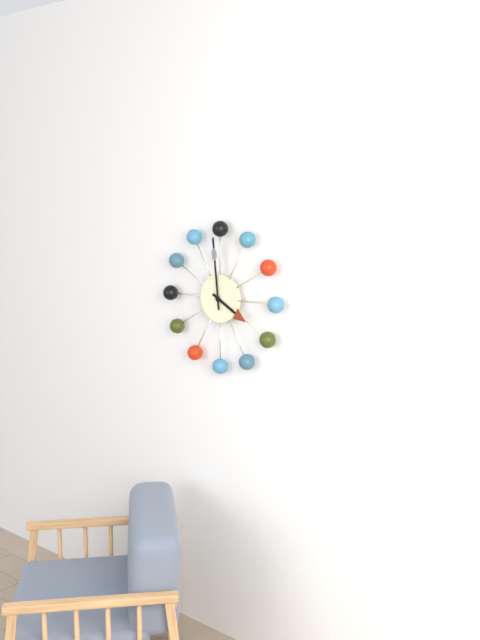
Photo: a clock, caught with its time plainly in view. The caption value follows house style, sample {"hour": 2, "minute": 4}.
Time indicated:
{"hour": 3, "minute": 59}
